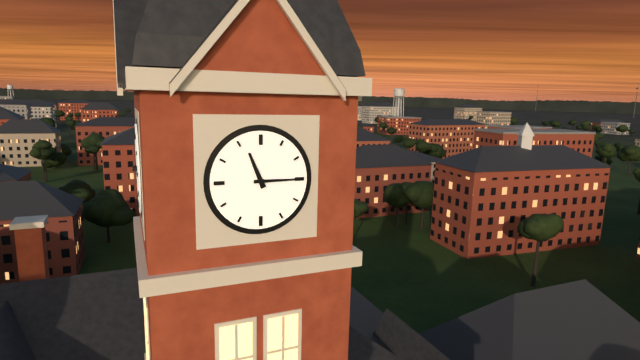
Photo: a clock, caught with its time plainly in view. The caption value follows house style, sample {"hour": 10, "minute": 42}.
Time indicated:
{"hour": 11, "minute": 15}
